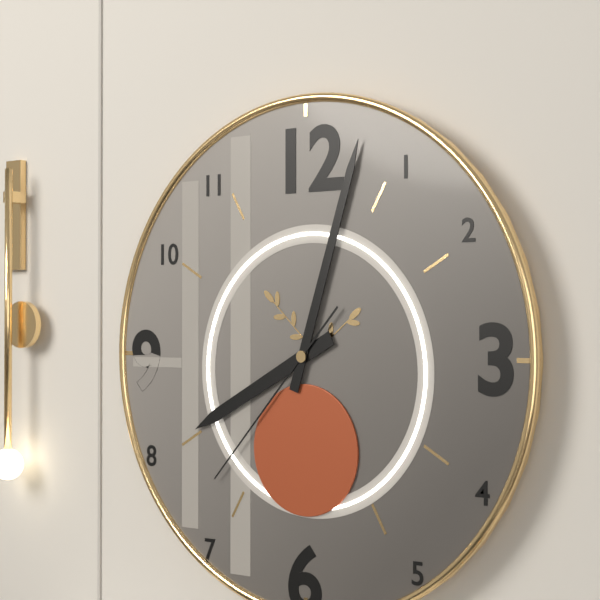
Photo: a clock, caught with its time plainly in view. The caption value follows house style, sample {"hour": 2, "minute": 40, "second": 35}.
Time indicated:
{"hour": 8, "minute": 3, "second": 37}
